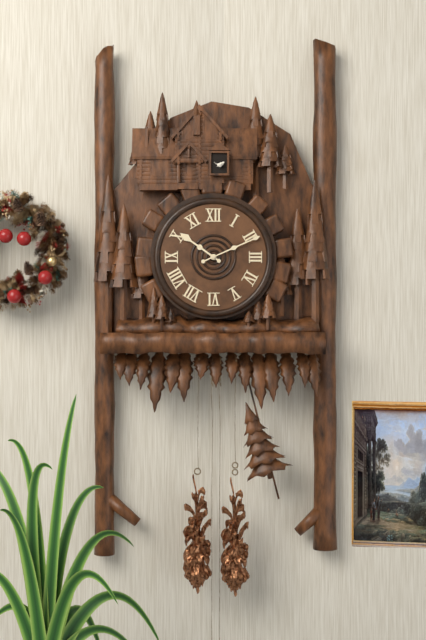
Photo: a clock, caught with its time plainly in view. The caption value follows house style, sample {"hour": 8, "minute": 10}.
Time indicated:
{"hour": 10, "minute": 11}
